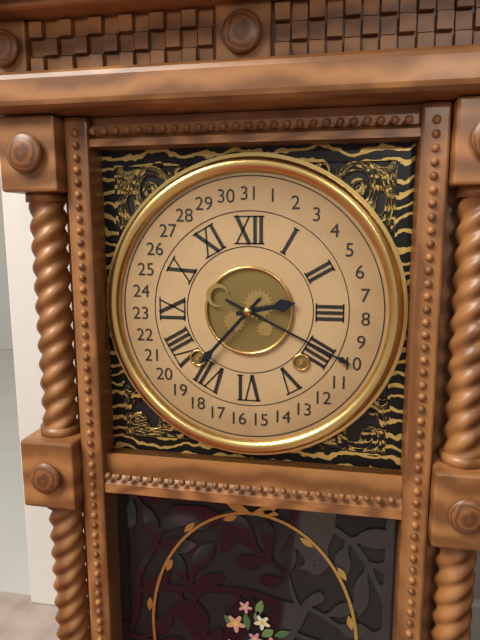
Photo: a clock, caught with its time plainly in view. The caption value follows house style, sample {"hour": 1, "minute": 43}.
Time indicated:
{"hour": 2, "minute": 37}
